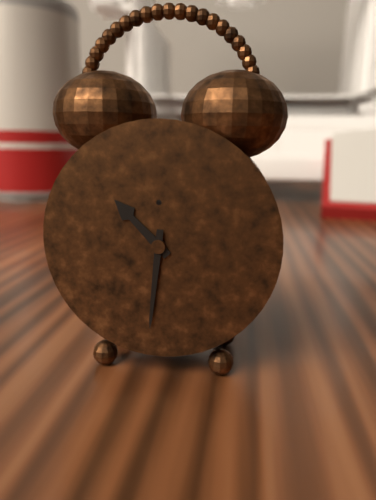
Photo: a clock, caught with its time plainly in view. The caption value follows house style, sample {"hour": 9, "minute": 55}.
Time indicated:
{"hour": 10, "minute": 31}
